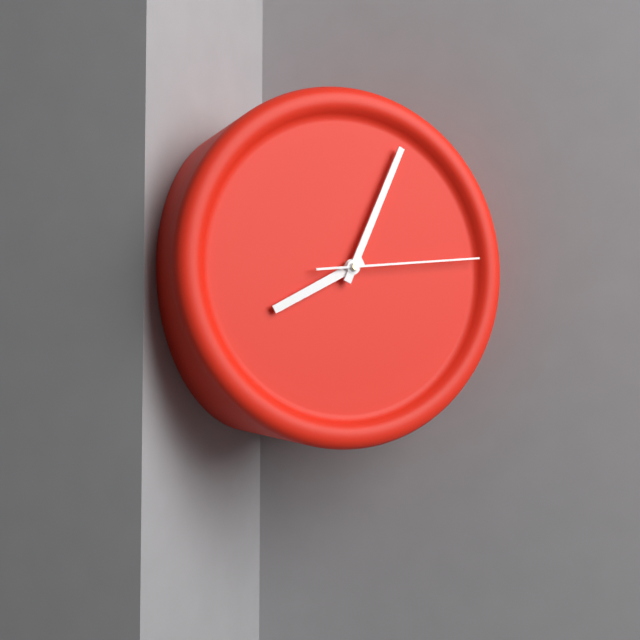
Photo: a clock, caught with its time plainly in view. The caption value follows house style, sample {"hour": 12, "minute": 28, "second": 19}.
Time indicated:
{"hour": 8, "minute": 4, "second": 14}
